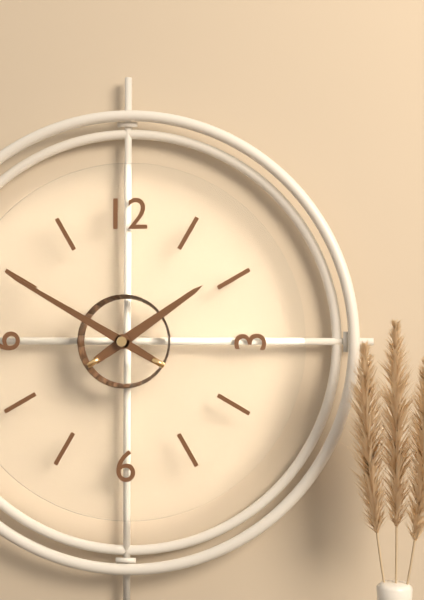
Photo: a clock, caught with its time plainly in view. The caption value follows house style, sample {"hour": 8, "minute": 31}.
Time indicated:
{"hour": 1, "minute": 50}
